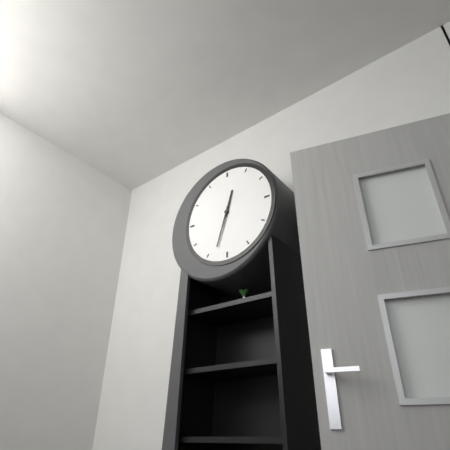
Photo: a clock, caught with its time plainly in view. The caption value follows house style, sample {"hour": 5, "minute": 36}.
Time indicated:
{"hour": 12, "minute": 33}
